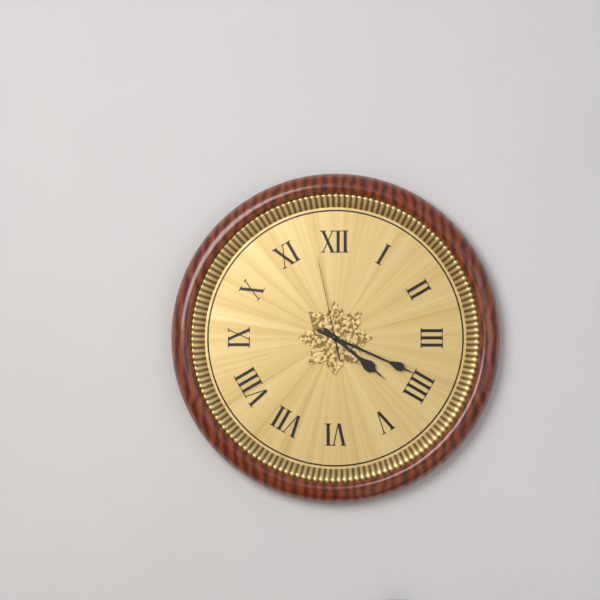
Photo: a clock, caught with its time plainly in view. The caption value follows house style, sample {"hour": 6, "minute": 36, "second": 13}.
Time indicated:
{"hour": 4, "minute": 19, "second": 58}
